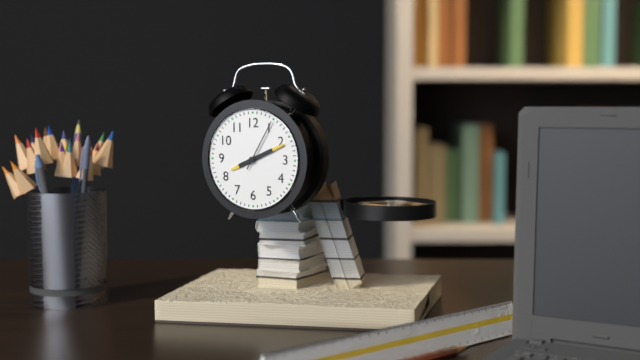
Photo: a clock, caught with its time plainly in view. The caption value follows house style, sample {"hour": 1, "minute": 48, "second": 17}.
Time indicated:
{"hour": 8, "minute": 11, "second": 5}
